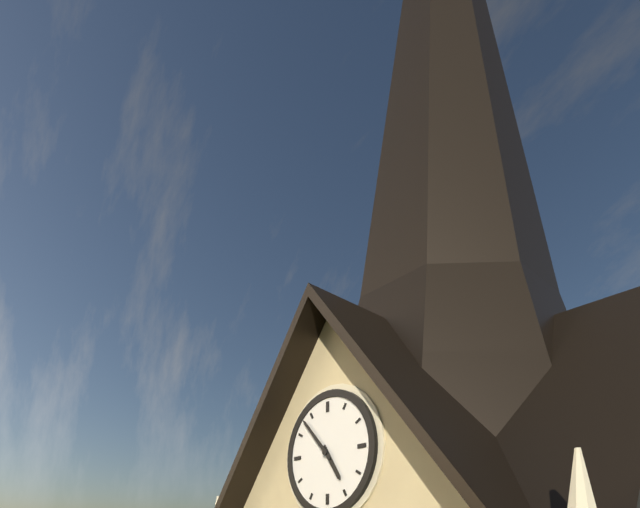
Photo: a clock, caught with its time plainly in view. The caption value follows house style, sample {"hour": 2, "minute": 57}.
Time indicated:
{"hour": 4, "minute": 53}
